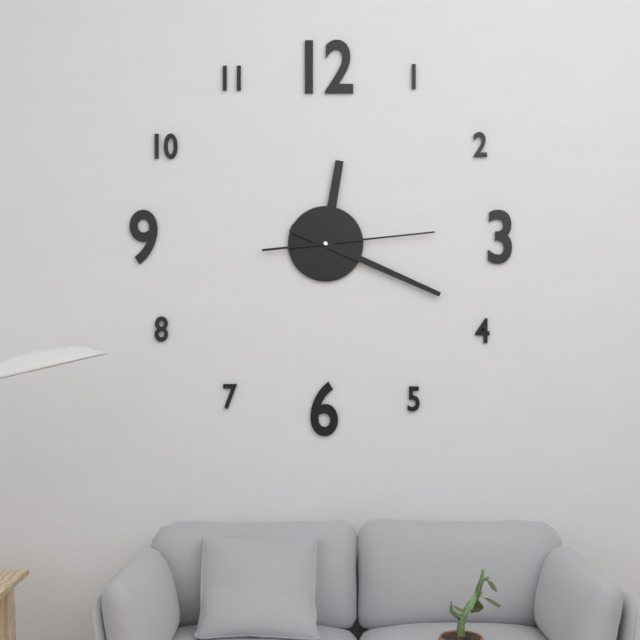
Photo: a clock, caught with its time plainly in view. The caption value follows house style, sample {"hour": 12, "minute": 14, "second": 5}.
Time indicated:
{"hour": 12, "minute": 19, "second": 14}
